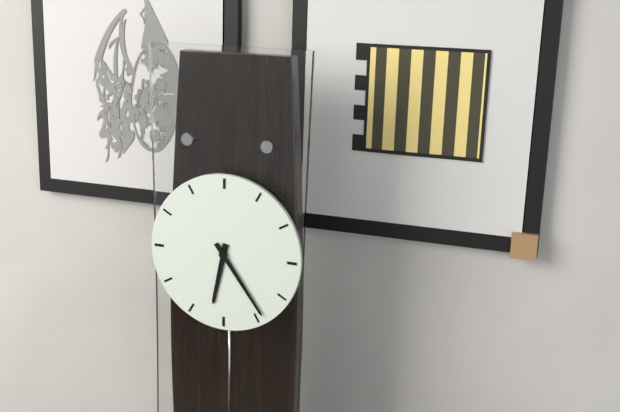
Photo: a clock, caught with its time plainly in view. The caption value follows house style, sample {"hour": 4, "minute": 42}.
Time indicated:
{"hour": 6, "minute": 24}
